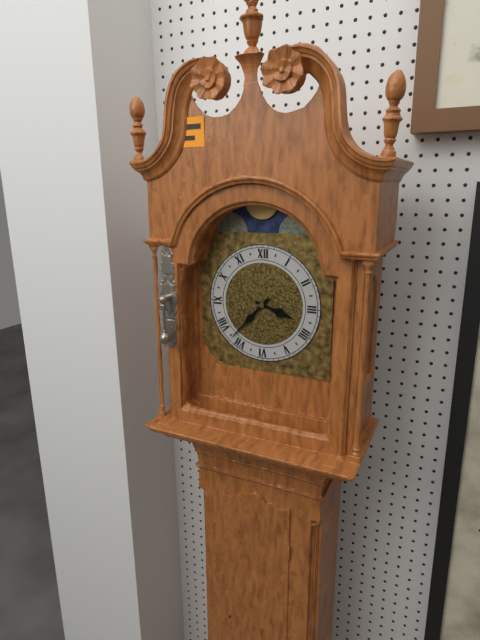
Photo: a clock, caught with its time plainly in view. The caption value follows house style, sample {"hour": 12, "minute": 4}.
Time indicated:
{"hour": 3, "minute": 37}
